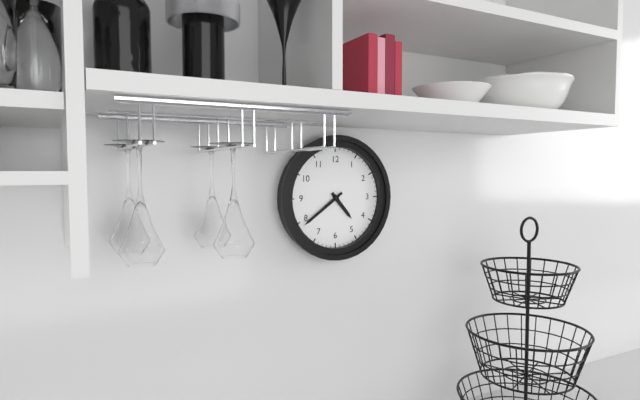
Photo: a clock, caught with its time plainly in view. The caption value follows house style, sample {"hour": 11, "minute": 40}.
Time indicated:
{"hour": 4, "minute": 39}
